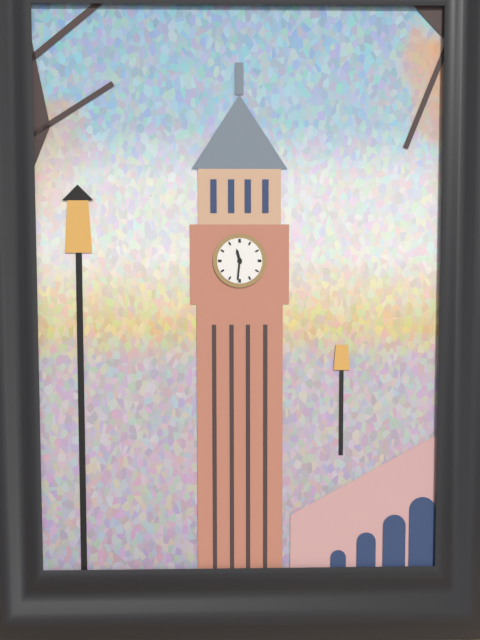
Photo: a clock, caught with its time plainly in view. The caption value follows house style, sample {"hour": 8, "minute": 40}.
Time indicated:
{"hour": 11, "minute": 31}
